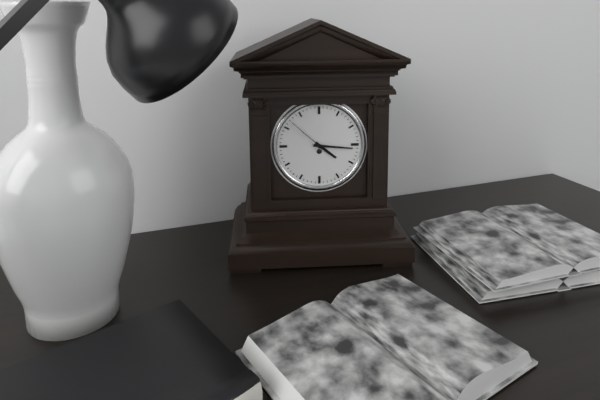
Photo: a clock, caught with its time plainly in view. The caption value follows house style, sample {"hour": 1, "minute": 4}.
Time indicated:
{"hour": 4, "minute": 16}
